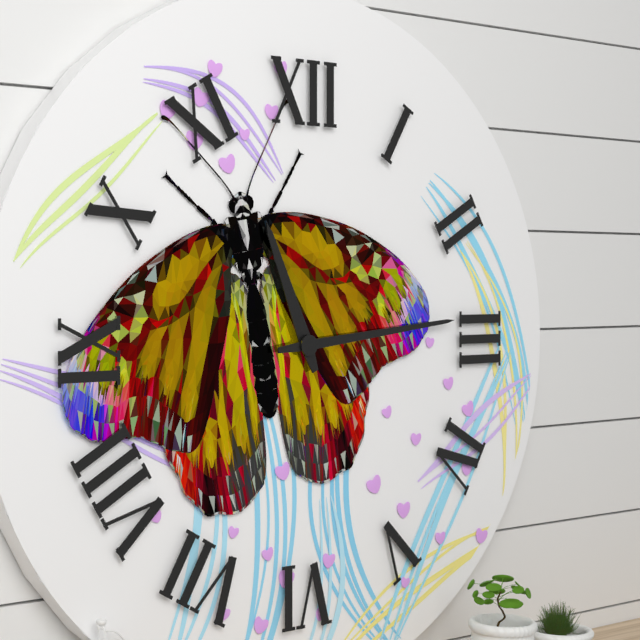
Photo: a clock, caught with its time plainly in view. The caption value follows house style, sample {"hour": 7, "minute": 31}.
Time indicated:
{"hour": 11, "minute": 14}
